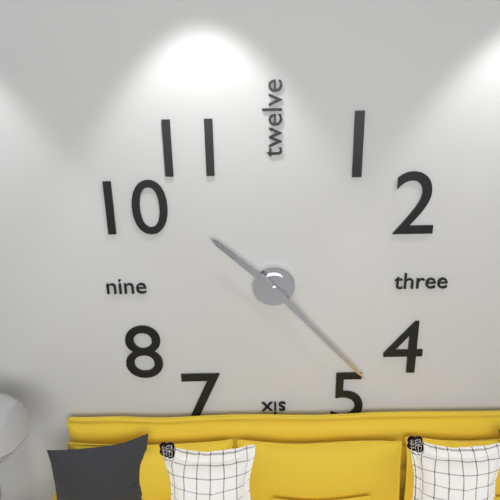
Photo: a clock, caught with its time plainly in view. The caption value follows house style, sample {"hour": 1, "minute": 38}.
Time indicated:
{"hour": 10, "minute": 23}
